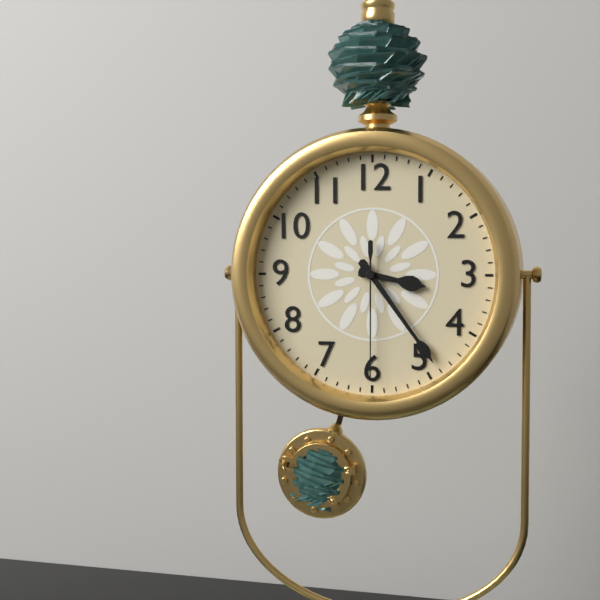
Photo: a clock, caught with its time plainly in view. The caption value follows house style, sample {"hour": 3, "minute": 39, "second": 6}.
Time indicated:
{"hour": 3, "minute": 24, "second": 30}
